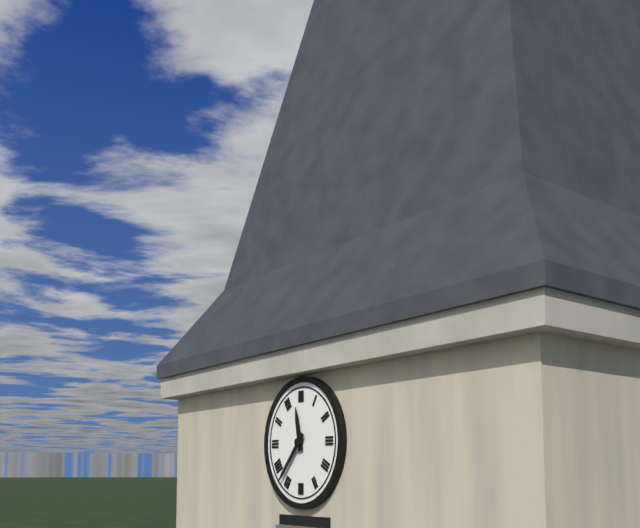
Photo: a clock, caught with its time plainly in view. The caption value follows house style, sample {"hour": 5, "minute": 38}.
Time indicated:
{"hour": 11, "minute": 37}
